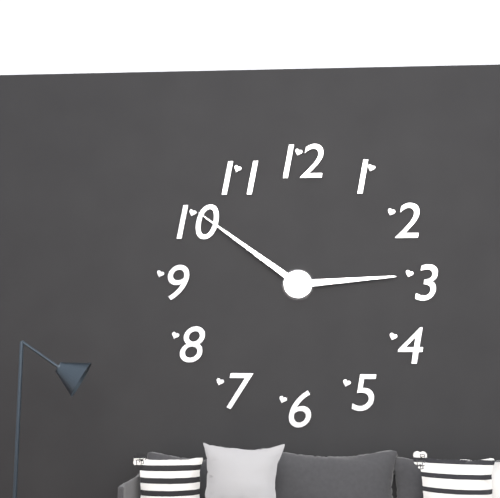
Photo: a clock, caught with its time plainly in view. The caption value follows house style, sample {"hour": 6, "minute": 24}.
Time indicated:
{"hour": 2, "minute": 51}
